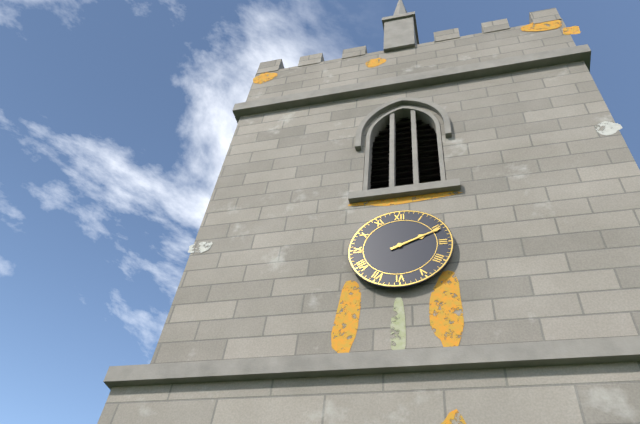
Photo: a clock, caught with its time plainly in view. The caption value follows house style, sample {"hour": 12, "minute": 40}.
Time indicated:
{"hour": 2, "minute": 11}
